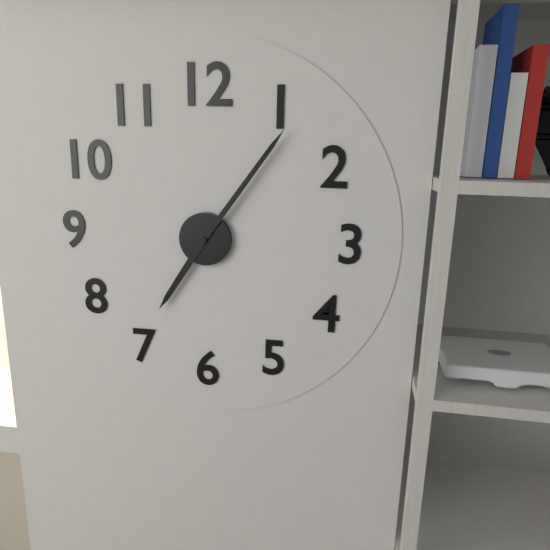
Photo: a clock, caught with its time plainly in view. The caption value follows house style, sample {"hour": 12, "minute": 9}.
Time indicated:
{"hour": 7, "minute": 6}
